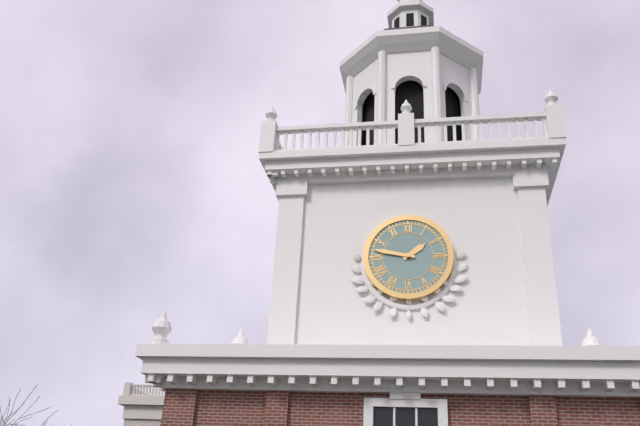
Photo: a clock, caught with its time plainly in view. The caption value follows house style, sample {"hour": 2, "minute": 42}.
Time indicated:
{"hour": 1, "minute": 47}
